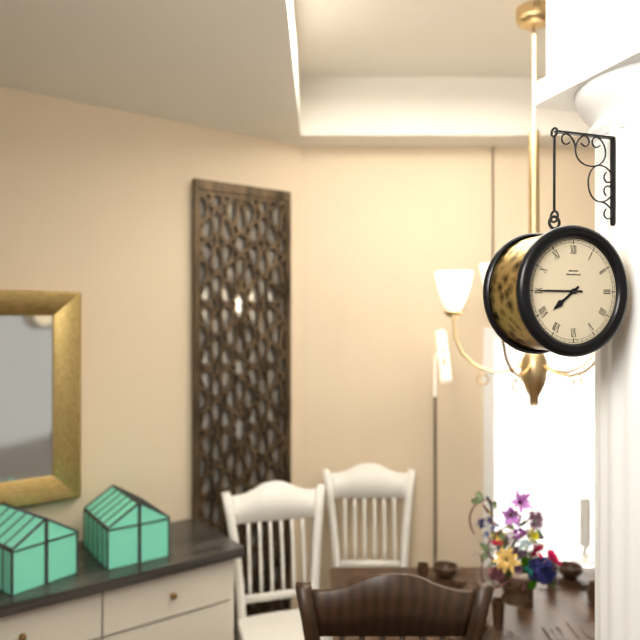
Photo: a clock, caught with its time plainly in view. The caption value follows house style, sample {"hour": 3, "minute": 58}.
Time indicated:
{"hour": 7, "minute": 45}
